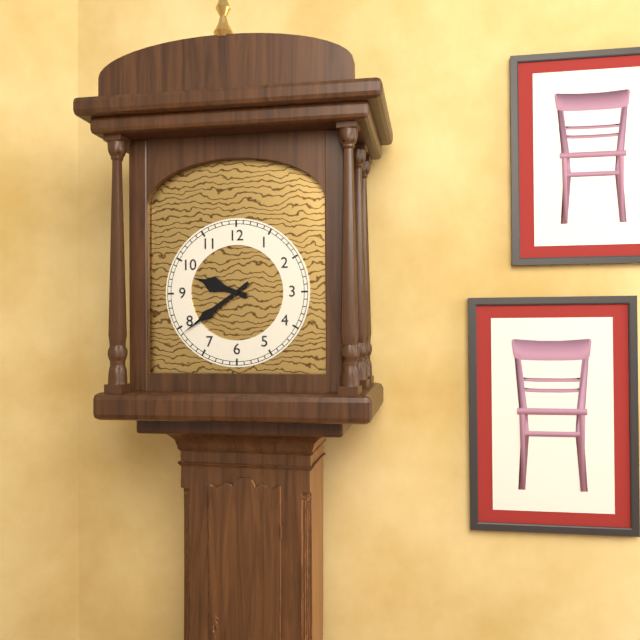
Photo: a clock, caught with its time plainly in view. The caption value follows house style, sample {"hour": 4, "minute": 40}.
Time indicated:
{"hour": 9, "minute": 39}
